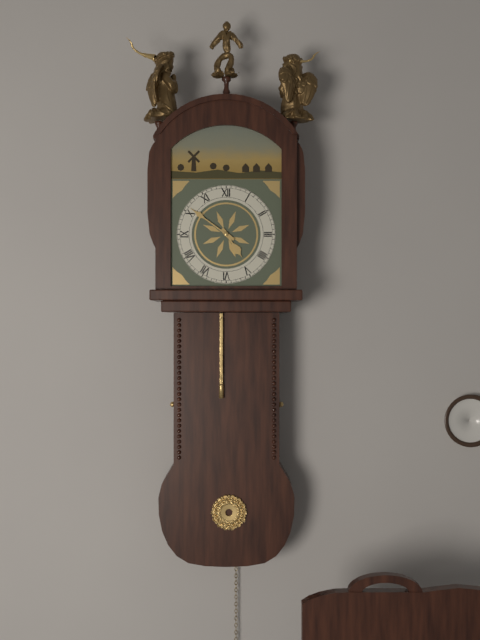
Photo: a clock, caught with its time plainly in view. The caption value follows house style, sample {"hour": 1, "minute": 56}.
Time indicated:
{"hour": 4, "minute": 51}
